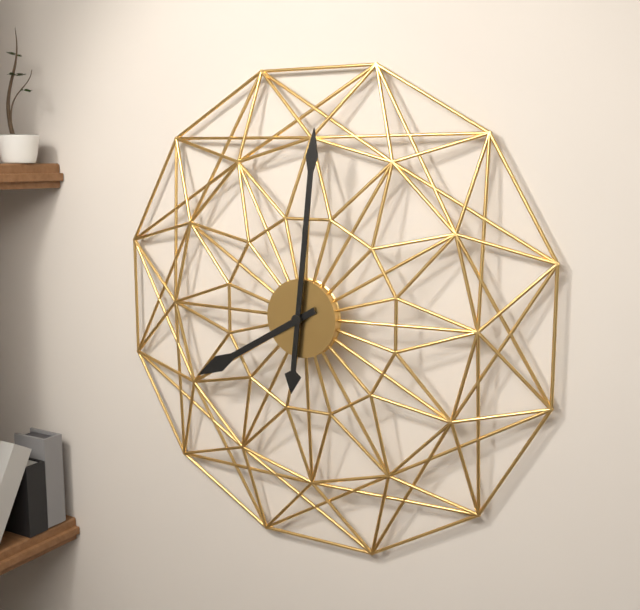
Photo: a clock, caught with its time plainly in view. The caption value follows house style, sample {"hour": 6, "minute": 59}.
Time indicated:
{"hour": 8, "minute": 1}
